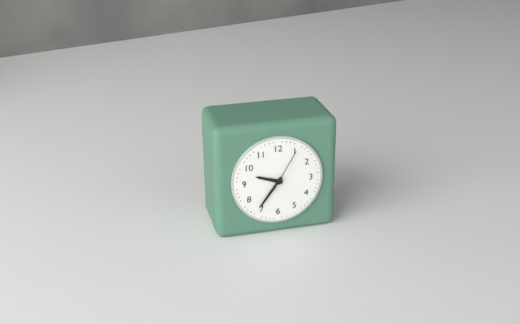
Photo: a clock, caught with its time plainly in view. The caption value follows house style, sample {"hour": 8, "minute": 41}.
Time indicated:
{"hour": 9, "minute": 36}
